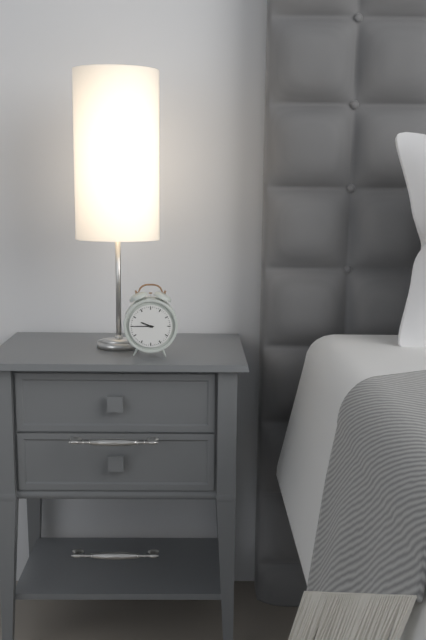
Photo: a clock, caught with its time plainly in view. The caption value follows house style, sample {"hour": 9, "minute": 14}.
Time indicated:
{"hour": 9, "minute": 45}
